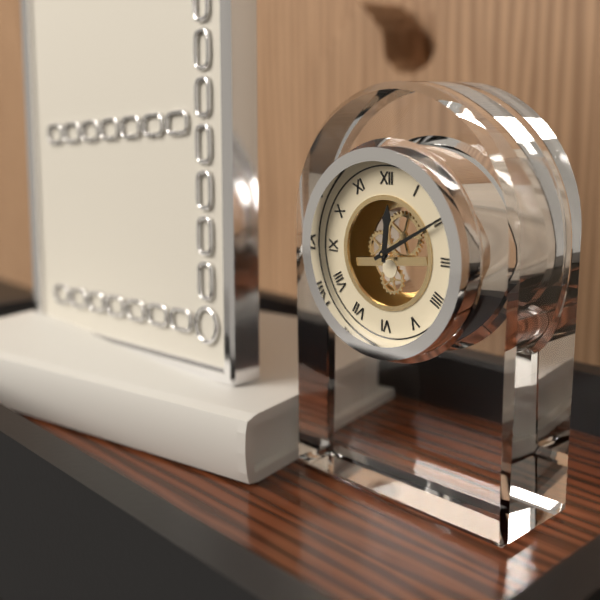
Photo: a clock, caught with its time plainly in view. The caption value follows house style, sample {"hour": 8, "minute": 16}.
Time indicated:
{"hour": 12, "minute": 10}
